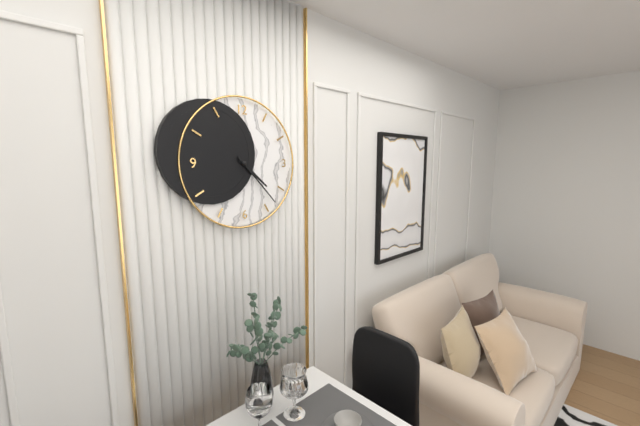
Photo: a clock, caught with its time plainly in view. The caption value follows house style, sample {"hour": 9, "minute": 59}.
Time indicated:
{"hour": 4, "minute": 23}
